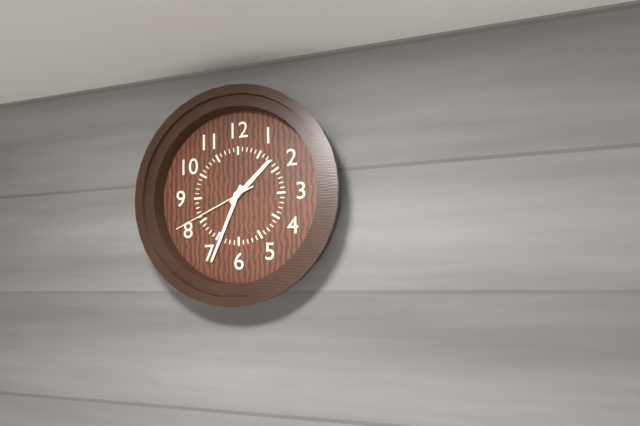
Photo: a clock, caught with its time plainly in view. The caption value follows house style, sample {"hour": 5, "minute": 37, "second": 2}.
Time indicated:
{"hour": 1, "minute": 34, "second": 41}
